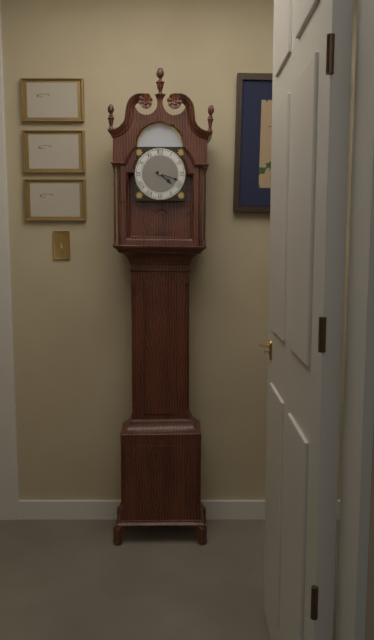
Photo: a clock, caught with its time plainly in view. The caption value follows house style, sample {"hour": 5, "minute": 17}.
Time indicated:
{"hour": 4, "minute": 18}
